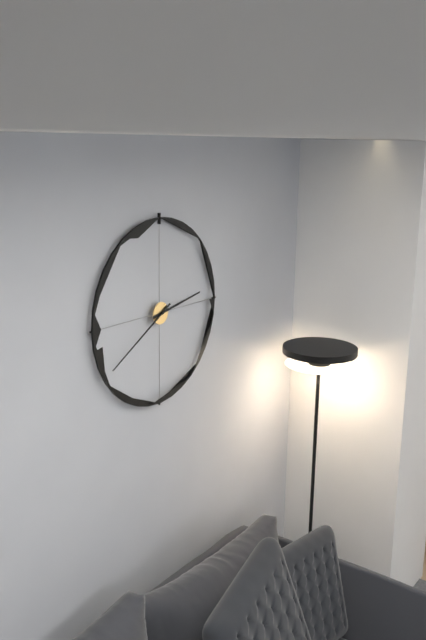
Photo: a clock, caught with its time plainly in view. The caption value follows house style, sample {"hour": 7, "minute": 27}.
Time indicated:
{"hour": 2, "minute": 40}
